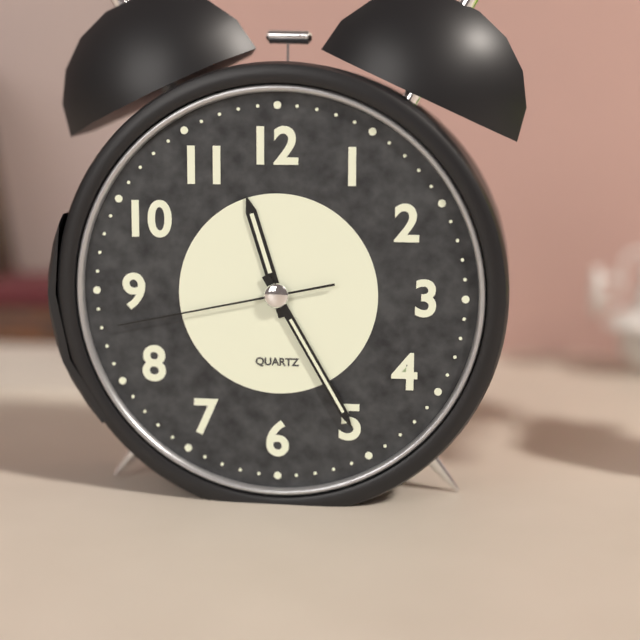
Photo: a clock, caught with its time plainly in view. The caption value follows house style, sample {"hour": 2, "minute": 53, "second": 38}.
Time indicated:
{"hour": 11, "minute": 25, "second": 43}
